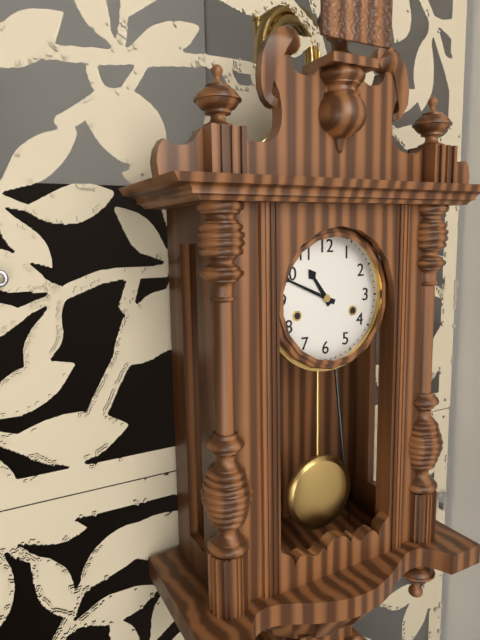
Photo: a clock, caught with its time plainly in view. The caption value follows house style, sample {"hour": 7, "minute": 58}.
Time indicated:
{"hour": 10, "minute": 49}
